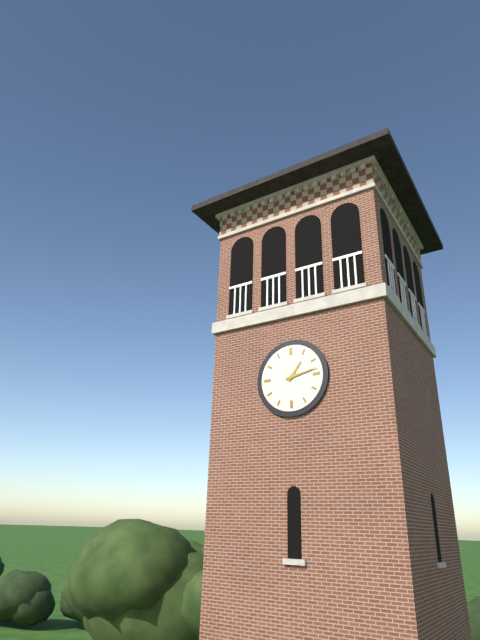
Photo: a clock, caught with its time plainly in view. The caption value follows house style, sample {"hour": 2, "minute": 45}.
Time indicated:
{"hour": 1, "minute": 13}
